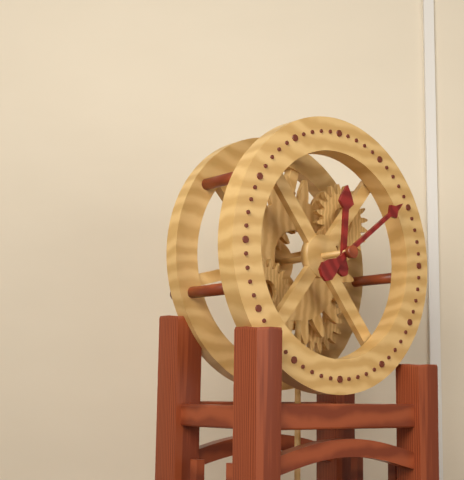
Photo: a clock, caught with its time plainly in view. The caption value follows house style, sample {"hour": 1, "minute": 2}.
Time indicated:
{"hour": 12, "minute": 9}
